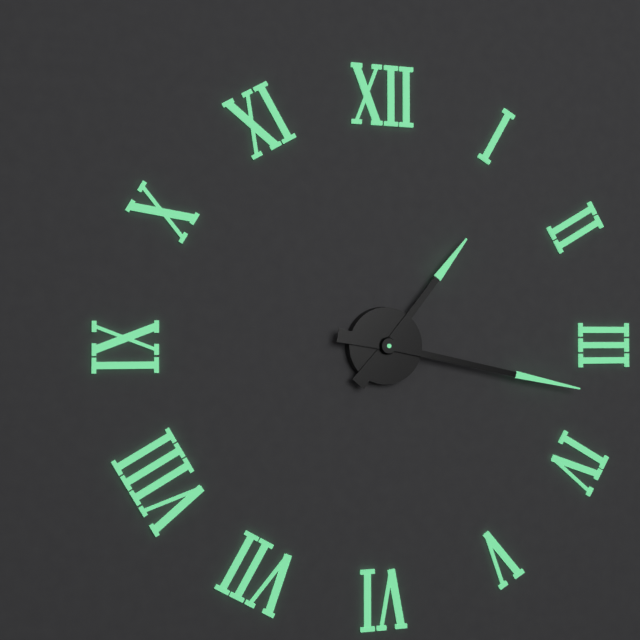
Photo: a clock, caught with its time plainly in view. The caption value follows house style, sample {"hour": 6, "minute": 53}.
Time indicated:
{"hour": 1, "minute": 17}
